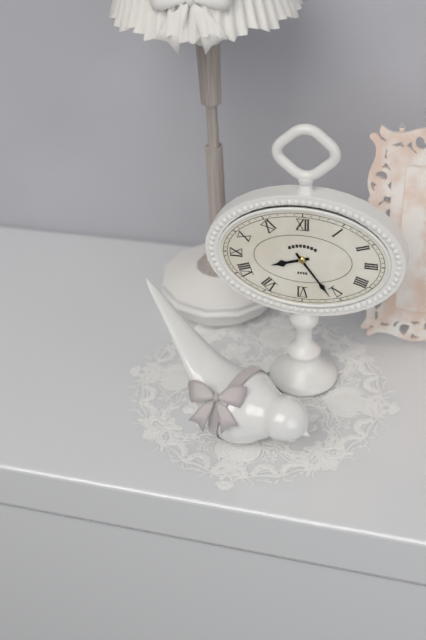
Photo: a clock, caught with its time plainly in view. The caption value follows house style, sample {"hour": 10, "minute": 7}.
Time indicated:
{"hour": 8, "minute": 24}
